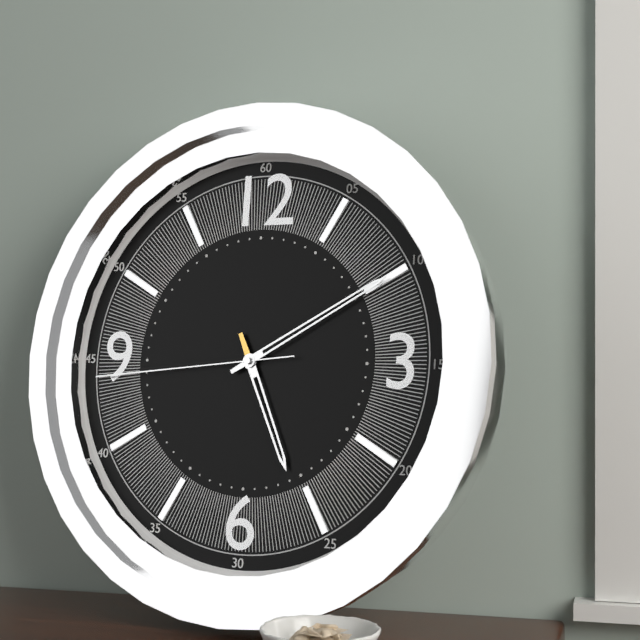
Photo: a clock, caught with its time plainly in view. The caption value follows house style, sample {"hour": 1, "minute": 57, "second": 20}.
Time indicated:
{"hour": 5, "minute": 10, "second": 44}
